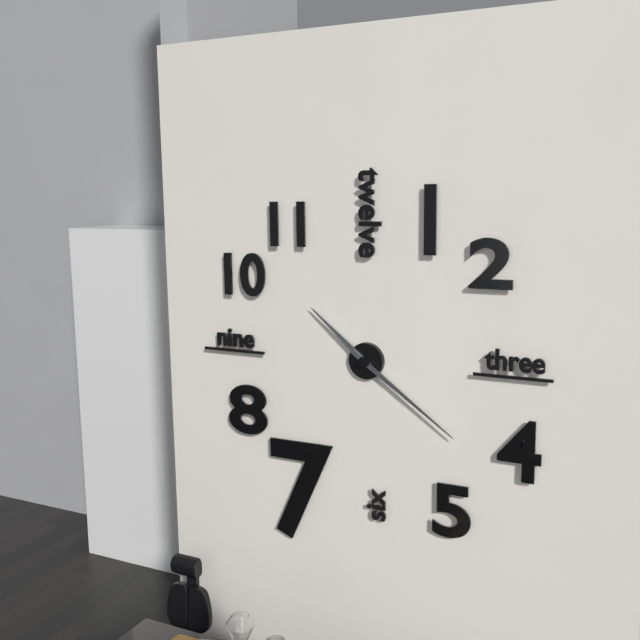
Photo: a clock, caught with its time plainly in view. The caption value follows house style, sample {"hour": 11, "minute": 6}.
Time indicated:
{"hour": 10, "minute": 21}
